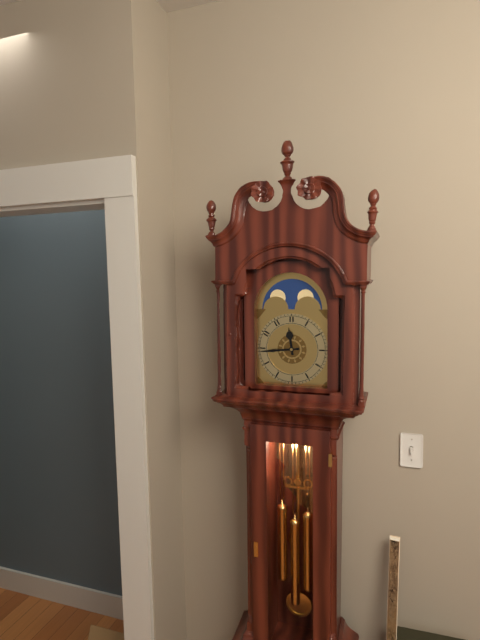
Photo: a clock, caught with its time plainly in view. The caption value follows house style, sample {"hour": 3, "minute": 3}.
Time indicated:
{"hour": 11, "minute": 44}
